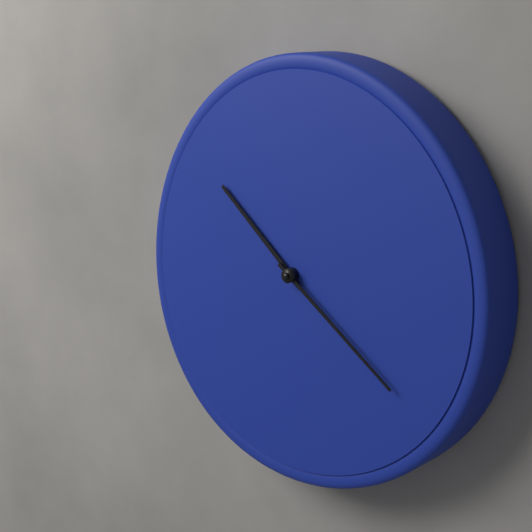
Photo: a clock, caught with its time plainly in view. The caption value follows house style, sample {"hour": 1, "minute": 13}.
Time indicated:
{"hour": 10, "minute": 21}
